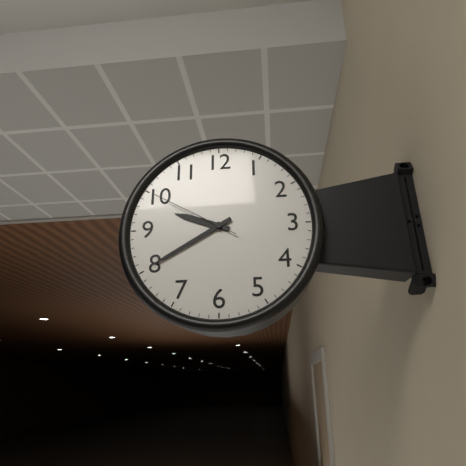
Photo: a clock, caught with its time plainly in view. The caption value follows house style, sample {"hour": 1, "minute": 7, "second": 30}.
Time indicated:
{"hour": 9, "minute": 40, "second": 50}
